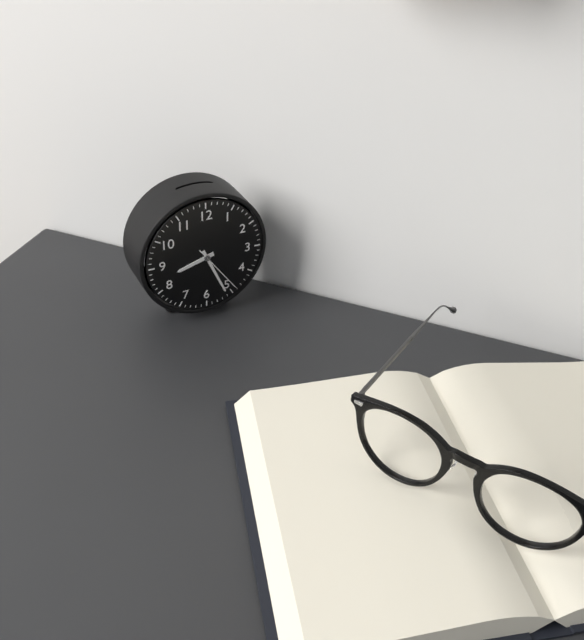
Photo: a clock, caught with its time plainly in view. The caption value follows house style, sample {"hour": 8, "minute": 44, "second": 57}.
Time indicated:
{"hour": 8, "minute": 26, "second": 24}
